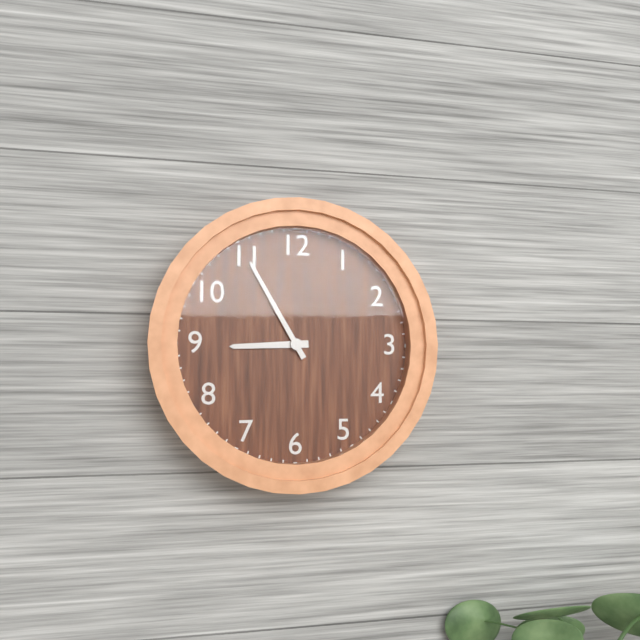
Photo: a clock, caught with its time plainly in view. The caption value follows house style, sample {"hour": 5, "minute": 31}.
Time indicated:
{"hour": 8, "minute": 55}
